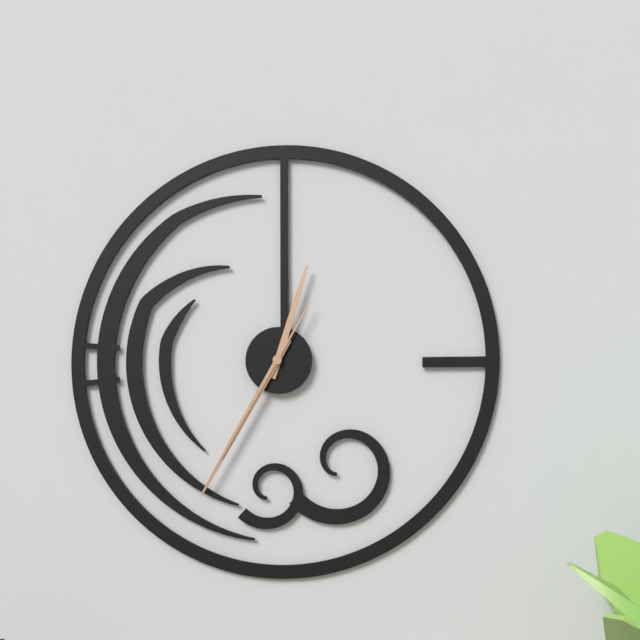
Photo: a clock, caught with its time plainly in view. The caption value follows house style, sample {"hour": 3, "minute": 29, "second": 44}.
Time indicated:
{"hour": 12, "minute": 35, "second": 35}
